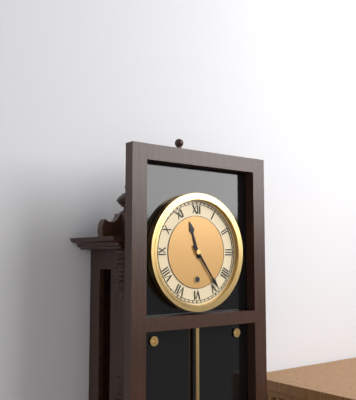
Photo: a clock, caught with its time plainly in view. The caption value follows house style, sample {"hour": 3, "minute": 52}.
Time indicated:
{"hour": 11, "minute": 24}
